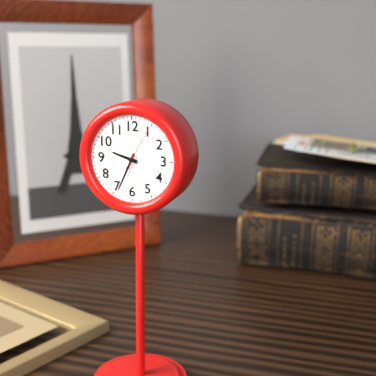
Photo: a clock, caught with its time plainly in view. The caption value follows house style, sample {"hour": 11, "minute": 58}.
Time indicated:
{"hour": 9, "minute": 34}
